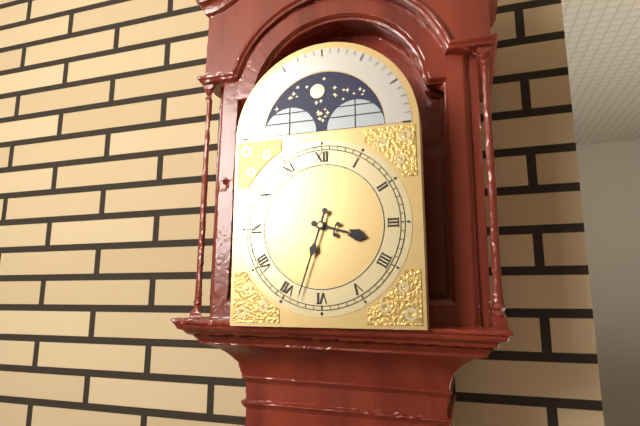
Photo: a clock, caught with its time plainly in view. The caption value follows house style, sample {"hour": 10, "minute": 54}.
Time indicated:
{"hour": 3, "minute": 33}
